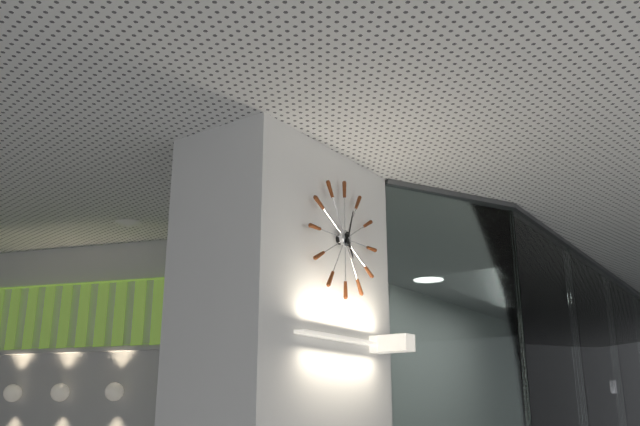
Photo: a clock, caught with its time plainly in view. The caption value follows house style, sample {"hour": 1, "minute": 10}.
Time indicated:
{"hour": 5, "minute": 3}
